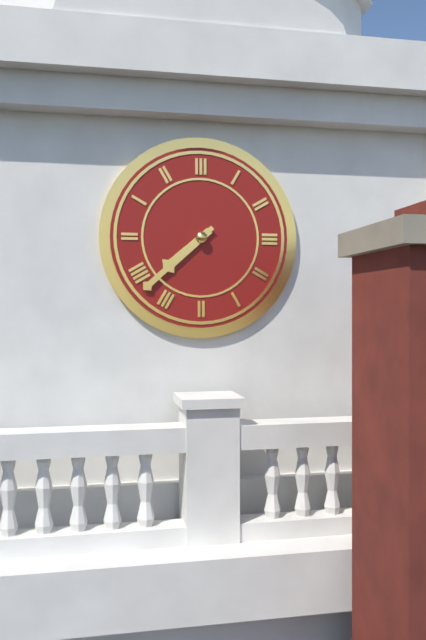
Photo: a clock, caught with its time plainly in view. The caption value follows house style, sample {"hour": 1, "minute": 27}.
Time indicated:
{"hour": 7, "minute": 38}
